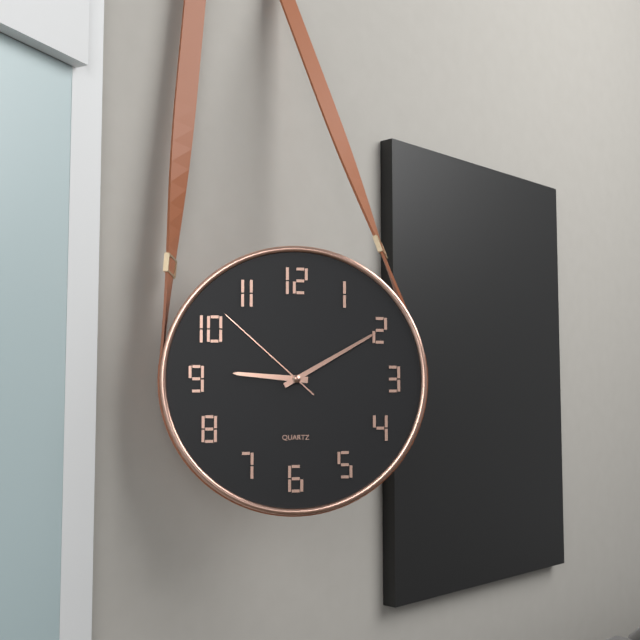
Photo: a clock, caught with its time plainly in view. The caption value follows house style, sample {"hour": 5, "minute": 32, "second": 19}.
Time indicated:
{"hour": 9, "minute": 10, "second": 52}
